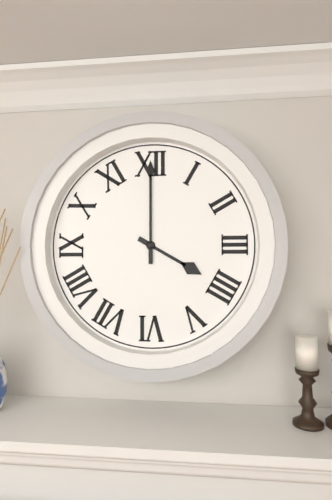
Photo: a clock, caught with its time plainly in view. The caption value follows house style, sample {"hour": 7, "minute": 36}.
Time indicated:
{"hour": 4, "minute": 0}
